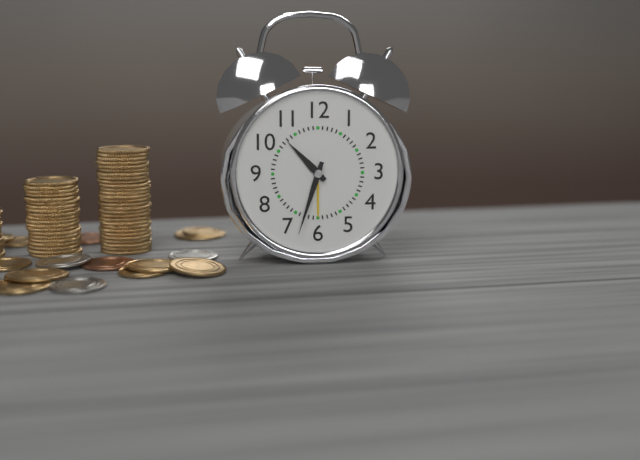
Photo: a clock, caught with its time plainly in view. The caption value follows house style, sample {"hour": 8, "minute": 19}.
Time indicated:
{"hour": 10, "minute": 33}
